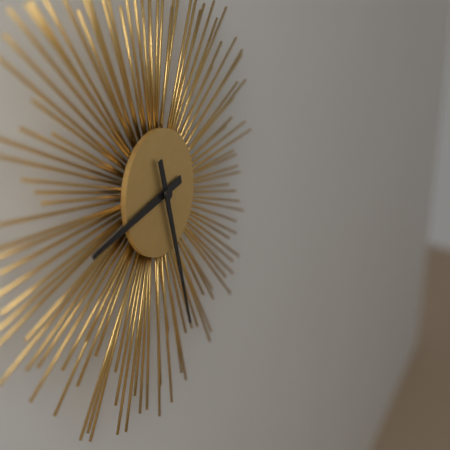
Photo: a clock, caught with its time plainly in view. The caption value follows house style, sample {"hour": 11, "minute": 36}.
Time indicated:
{"hour": 8, "minute": 27}
